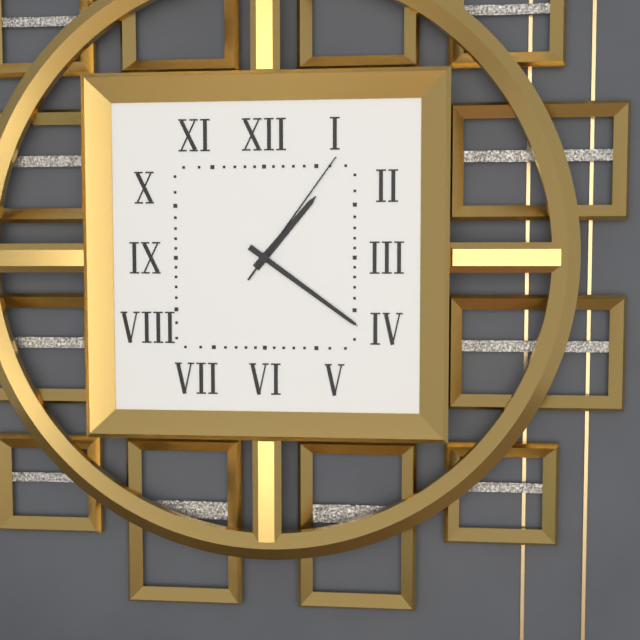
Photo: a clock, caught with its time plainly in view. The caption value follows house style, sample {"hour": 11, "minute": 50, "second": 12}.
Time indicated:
{"hour": 1, "minute": 21, "second": 6}
